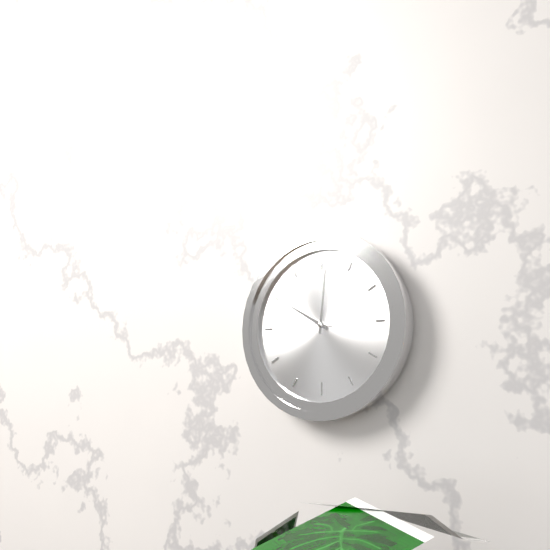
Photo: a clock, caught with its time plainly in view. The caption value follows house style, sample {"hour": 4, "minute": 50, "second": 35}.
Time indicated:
{"hour": 10, "minute": 1, "second": 47}
